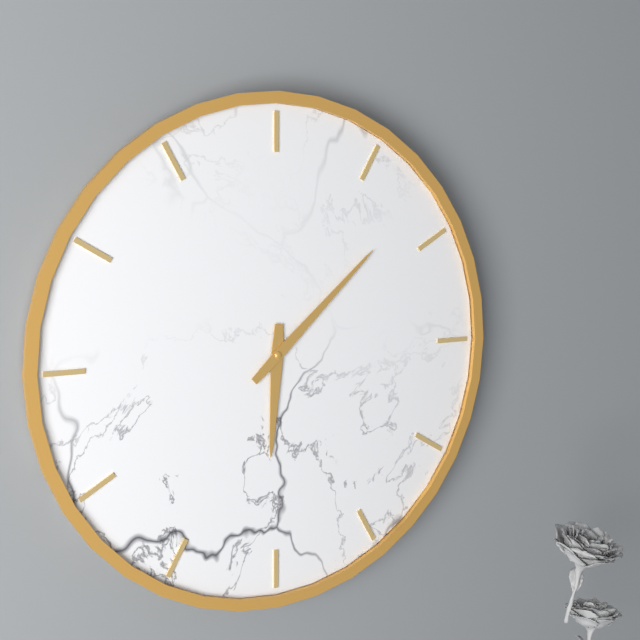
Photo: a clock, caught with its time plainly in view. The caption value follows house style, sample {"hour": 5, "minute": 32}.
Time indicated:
{"hour": 6, "minute": 8}
